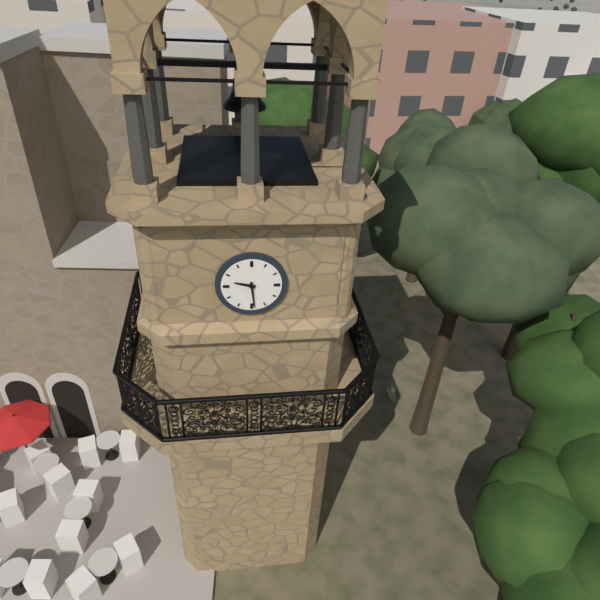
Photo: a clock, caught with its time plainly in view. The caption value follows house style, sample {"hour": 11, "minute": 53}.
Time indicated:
{"hour": 9, "minute": 29}
